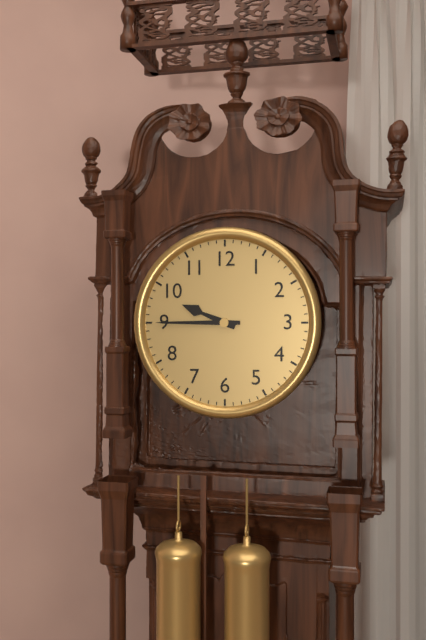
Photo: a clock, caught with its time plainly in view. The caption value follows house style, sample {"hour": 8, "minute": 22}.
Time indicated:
{"hour": 9, "minute": 45}
